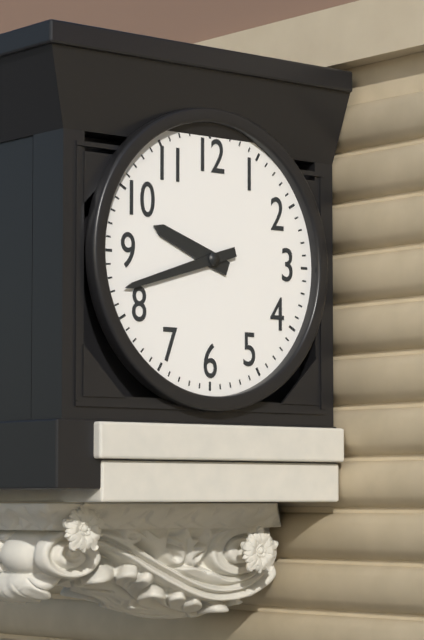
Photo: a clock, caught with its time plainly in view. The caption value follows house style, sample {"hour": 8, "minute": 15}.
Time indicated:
{"hour": 9, "minute": 42}
